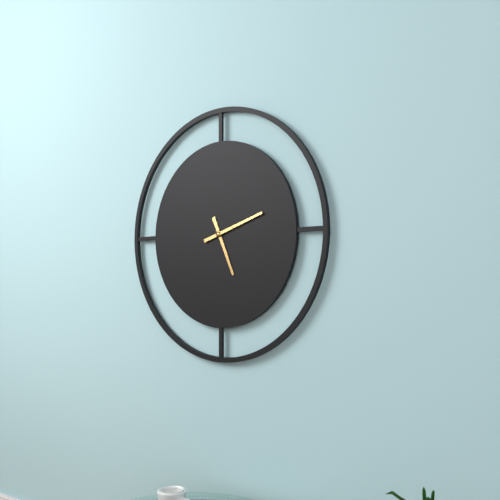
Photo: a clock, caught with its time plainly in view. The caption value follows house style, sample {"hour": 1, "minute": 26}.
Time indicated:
{"hour": 5, "minute": 12}
